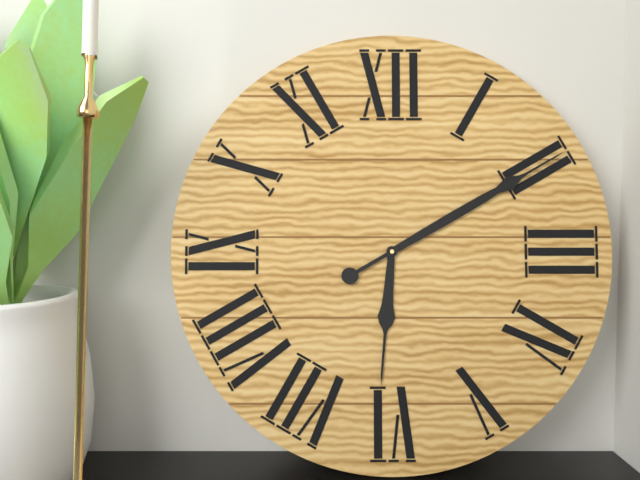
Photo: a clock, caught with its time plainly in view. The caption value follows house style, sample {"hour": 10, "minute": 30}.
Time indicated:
{"hour": 6, "minute": 10}
